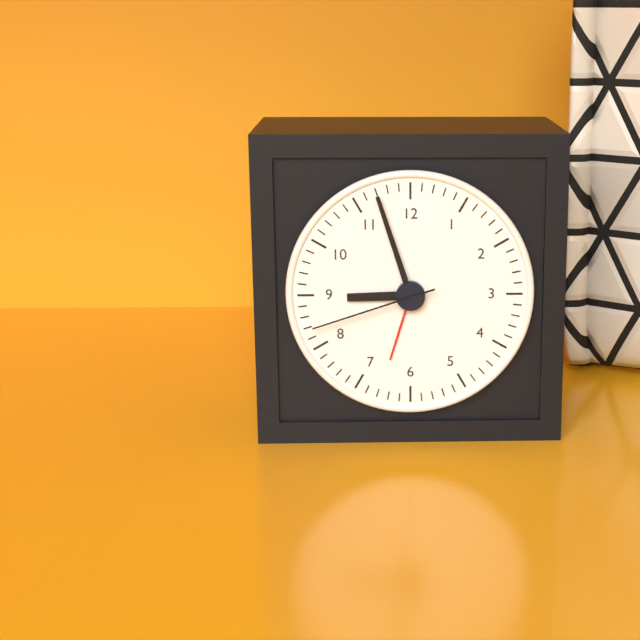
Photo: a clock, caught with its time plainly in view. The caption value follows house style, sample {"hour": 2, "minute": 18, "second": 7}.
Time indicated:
{"hour": 8, "minute": 57, "second": 42}
